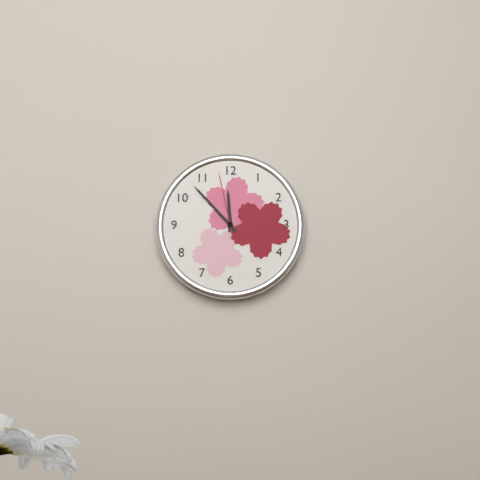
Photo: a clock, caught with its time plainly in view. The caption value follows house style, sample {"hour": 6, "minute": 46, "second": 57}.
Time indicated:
{"hour": 11, "minute": 53, "second": 58}
